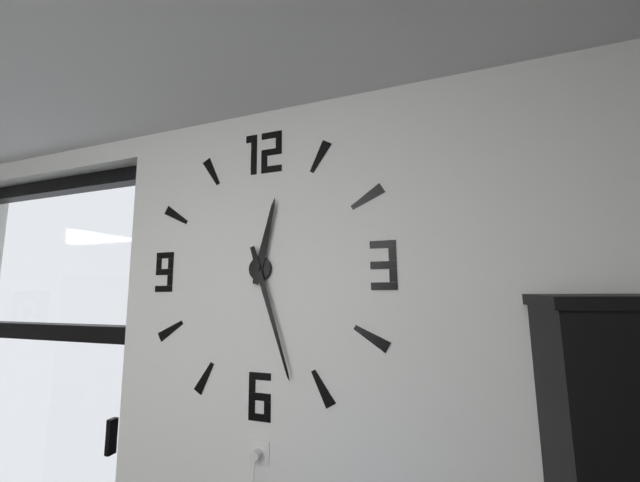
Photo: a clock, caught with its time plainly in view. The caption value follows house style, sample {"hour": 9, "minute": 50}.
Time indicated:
{"hour": 12, "minute": 27}
